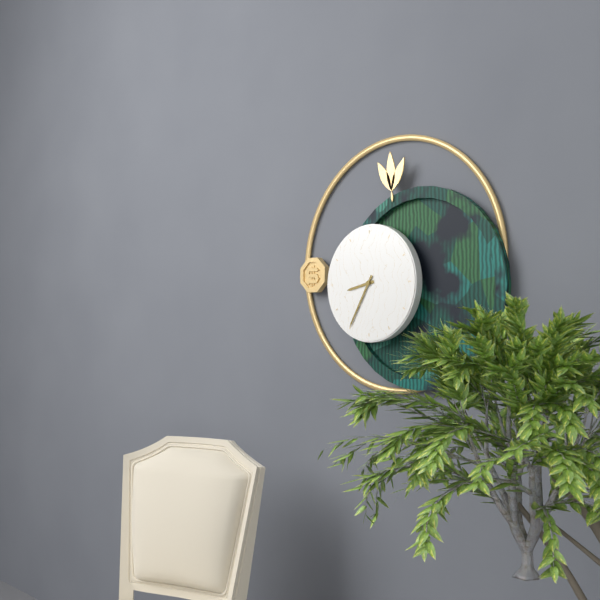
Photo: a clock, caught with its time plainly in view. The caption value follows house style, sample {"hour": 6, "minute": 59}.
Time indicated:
{"hour": 8, "minute": 35}
